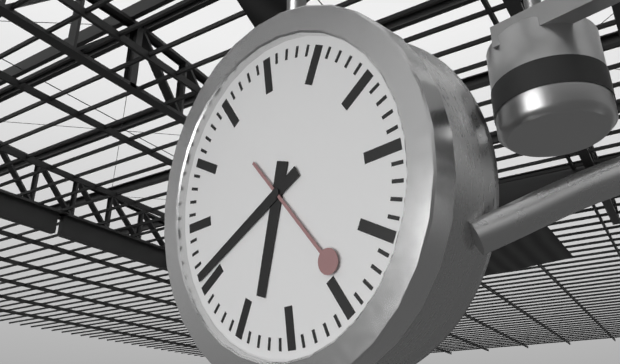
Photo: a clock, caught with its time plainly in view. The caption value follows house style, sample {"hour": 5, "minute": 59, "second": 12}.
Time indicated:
{"hour": 6, "minute": 41, "second": 24}
